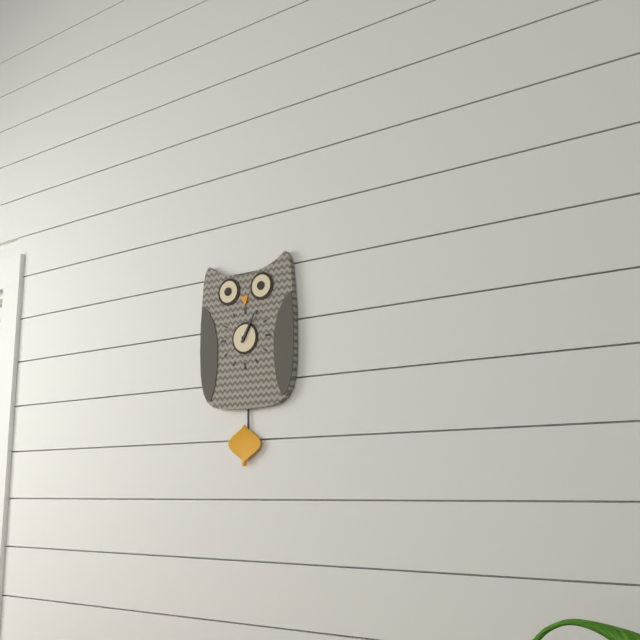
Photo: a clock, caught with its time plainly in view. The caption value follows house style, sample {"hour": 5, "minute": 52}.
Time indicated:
{"hour": 1, "minute": 5}
